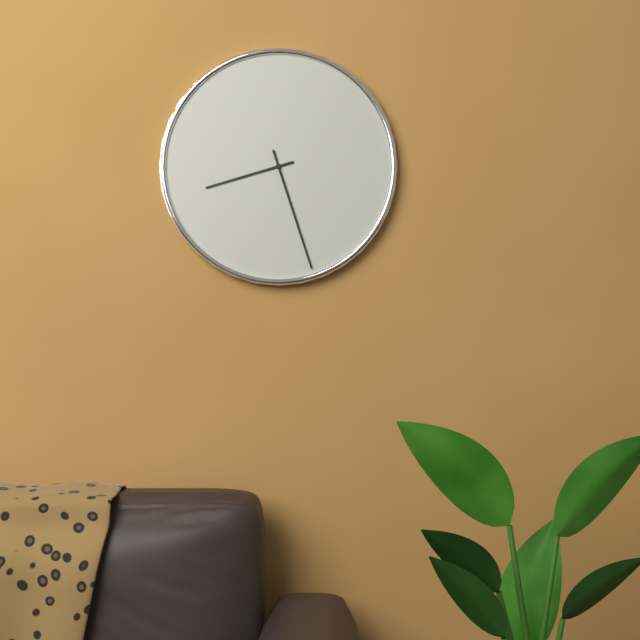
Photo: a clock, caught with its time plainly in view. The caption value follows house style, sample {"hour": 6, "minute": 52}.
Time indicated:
{"hour": 8, "minute": 27}
